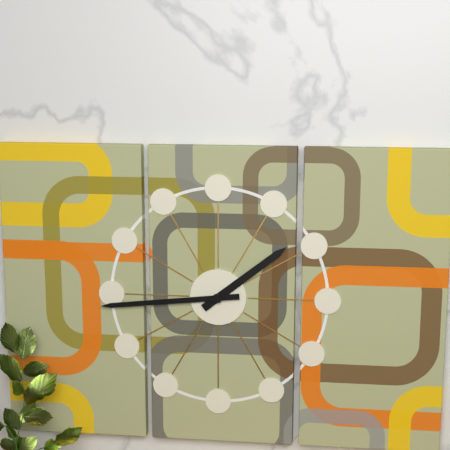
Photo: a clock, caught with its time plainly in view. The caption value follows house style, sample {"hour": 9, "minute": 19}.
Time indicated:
{"hour": 1, "minute": 44}
